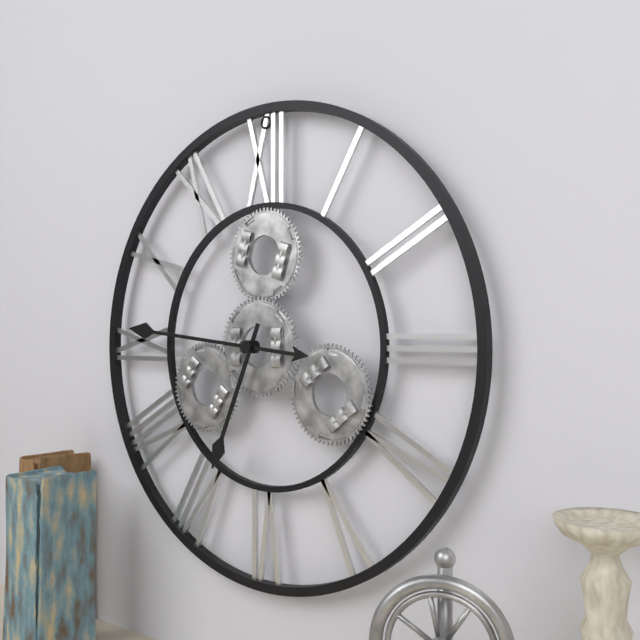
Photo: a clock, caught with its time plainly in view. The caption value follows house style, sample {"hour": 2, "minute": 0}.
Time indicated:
{"hour": 6, "minute": 46}
